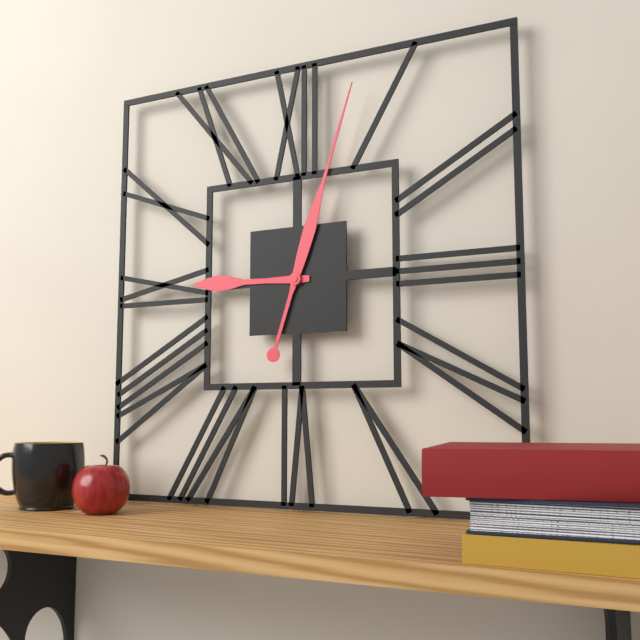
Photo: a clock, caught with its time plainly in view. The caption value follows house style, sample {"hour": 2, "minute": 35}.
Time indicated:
{"hour": 9, "minute": 3}
